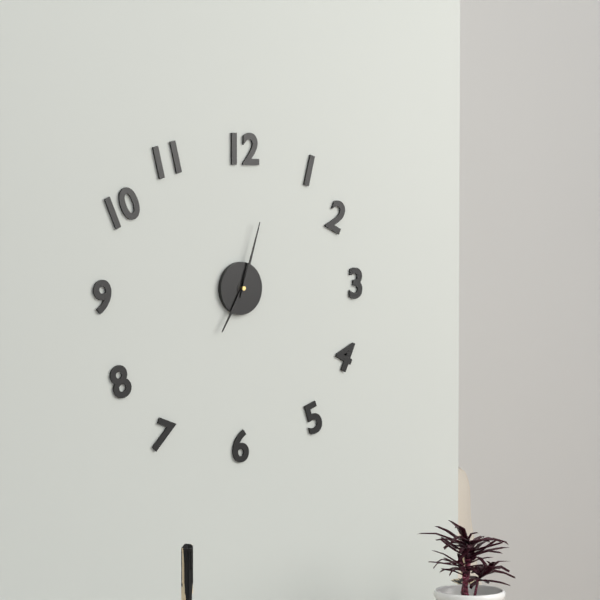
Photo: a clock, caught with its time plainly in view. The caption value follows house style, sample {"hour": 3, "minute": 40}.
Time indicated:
{"hour": 7, "minute": 3}
